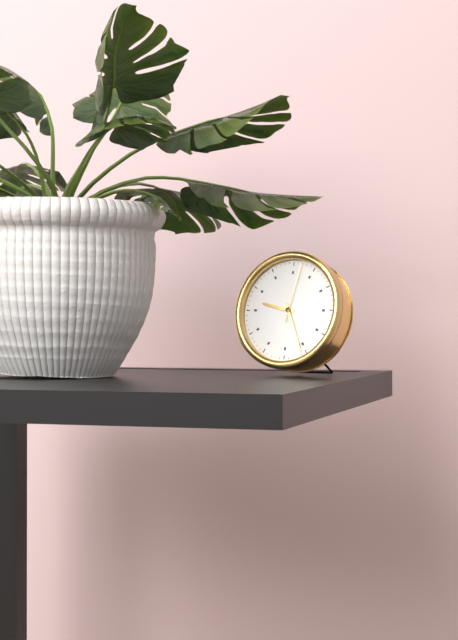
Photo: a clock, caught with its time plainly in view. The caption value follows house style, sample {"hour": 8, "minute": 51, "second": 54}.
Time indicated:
{"hour": 9, "minute": 26, "second": 2}
